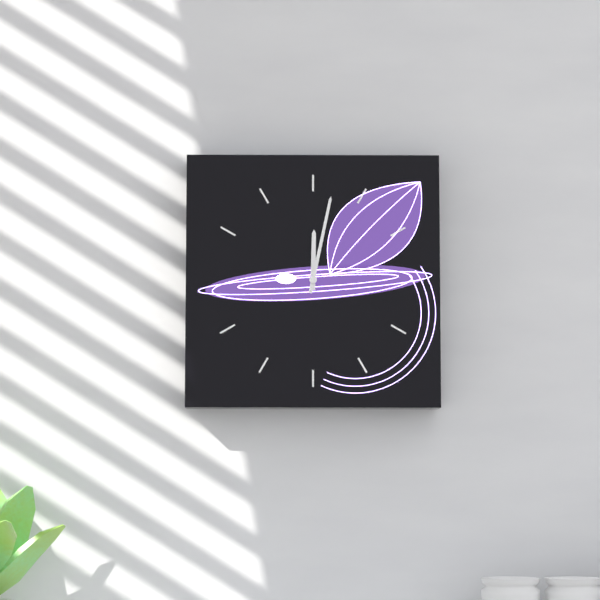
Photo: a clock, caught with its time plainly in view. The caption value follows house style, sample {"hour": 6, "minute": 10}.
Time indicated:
{"hour": 12, "minute": 2}
